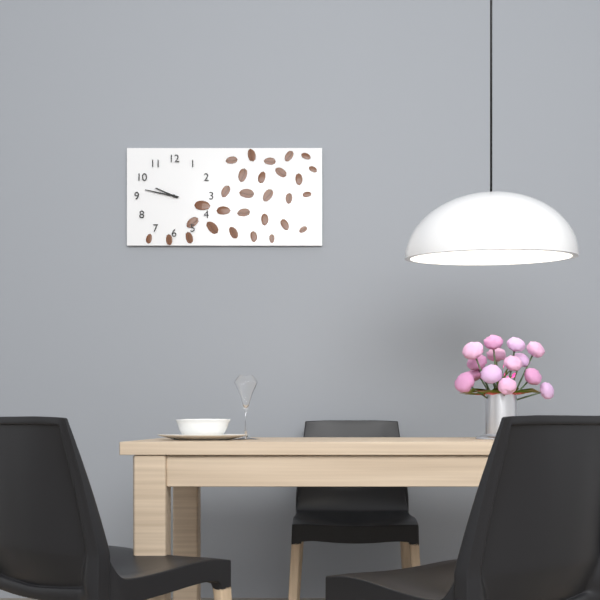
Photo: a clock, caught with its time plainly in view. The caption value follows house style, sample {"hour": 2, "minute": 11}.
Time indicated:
{"hour": 9, "minute": 47}
